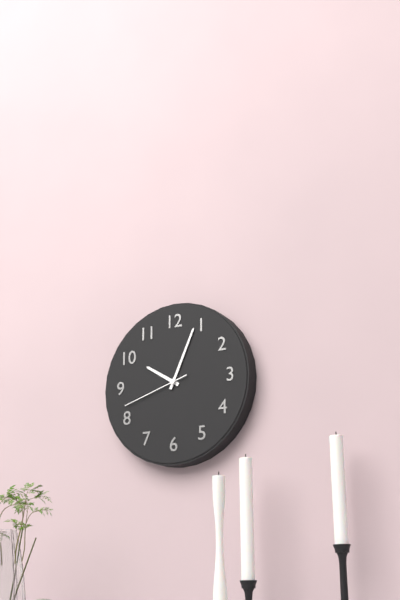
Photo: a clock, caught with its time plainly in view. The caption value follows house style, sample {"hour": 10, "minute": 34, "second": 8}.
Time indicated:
{"hour": 10, "minute": 4, "second": 42}
